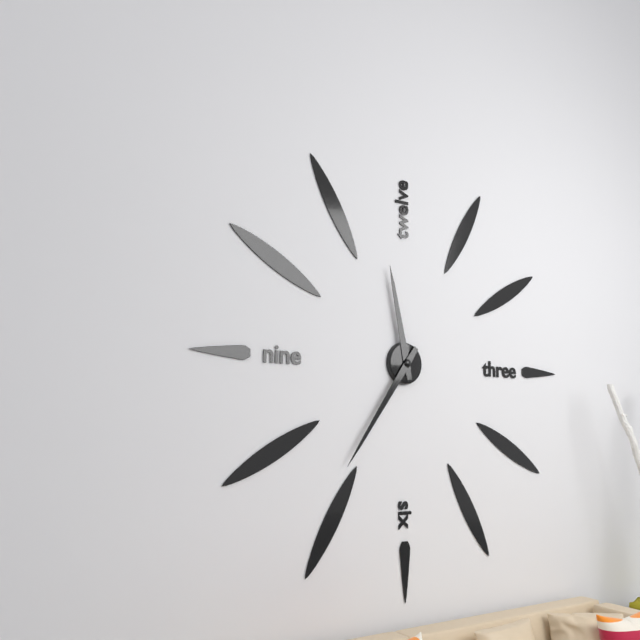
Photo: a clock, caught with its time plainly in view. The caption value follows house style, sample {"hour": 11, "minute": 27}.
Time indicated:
{"hour": 11, "minute": 36}
